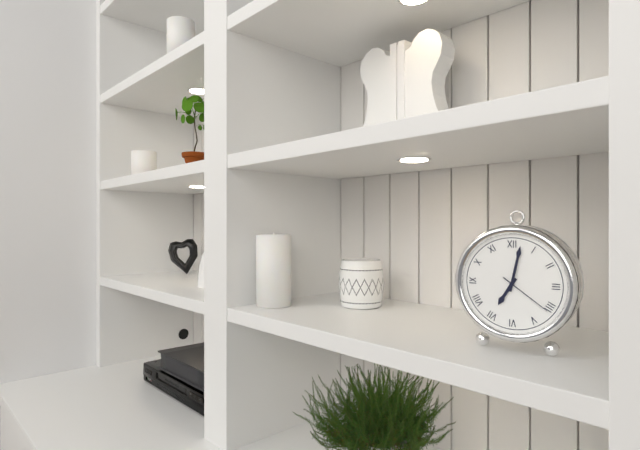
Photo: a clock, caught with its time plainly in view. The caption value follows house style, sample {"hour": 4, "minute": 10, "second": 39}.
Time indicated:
{"hour": 7, "minute": 2, "second": 21}
